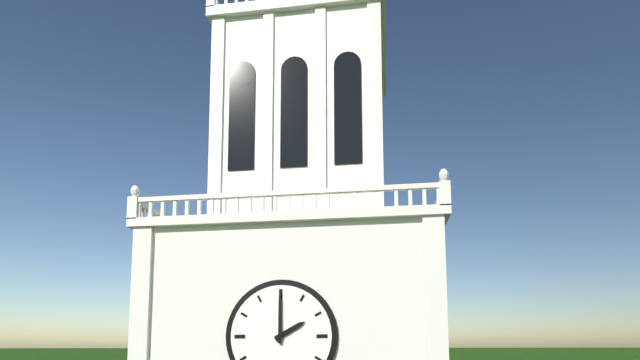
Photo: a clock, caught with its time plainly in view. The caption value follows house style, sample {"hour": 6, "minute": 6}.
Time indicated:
{"hour": 2, "minute": 0}
